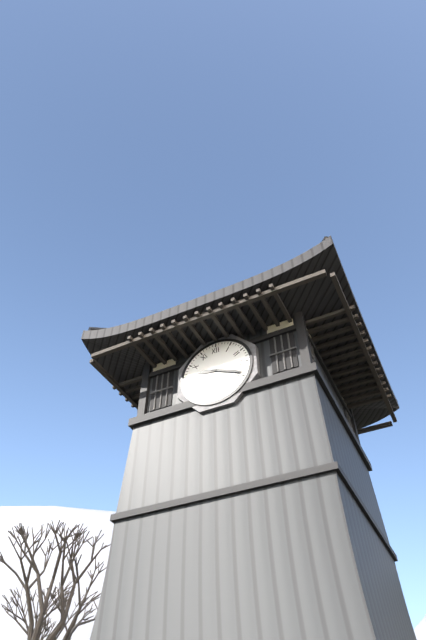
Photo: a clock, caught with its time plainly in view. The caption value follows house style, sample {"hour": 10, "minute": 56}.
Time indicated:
{"hour": 9, "minute": 19}
